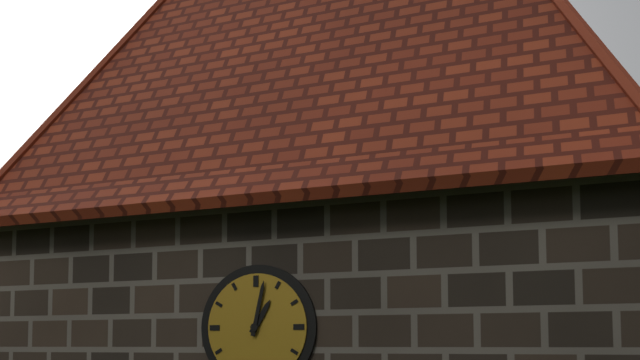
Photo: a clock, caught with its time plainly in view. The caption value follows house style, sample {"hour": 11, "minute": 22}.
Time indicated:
{"hour": 1, "minute": 2}
